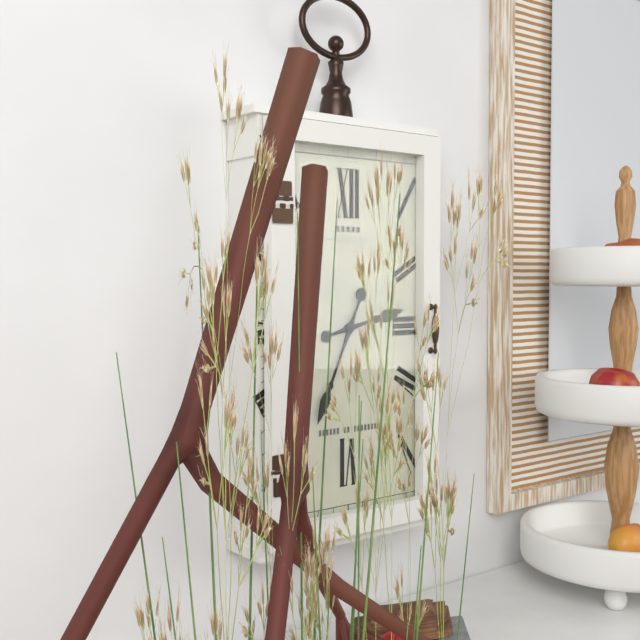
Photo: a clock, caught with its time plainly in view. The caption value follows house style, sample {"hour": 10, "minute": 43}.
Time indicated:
{"hour": 2, "minute": 34}
